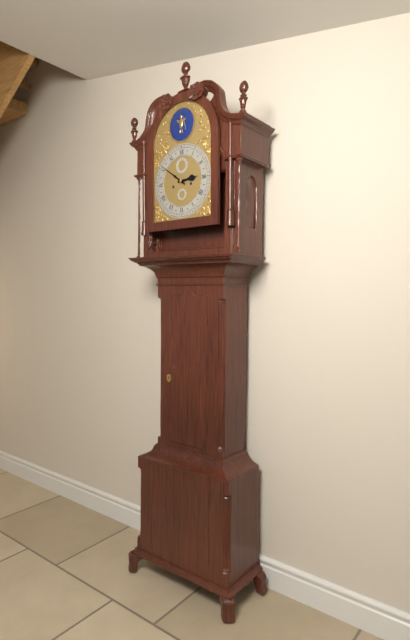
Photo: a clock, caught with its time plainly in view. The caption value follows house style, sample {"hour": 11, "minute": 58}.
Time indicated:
{"hour": 2, "minute": 51}
